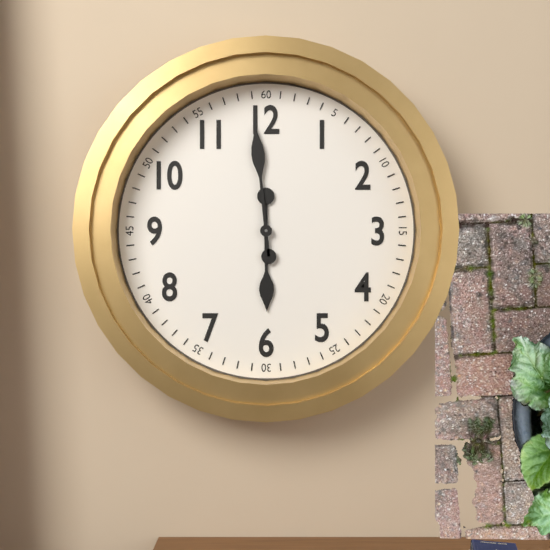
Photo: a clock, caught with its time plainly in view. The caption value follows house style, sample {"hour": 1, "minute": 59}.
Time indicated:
{"hour": 5, "minute": 59}
